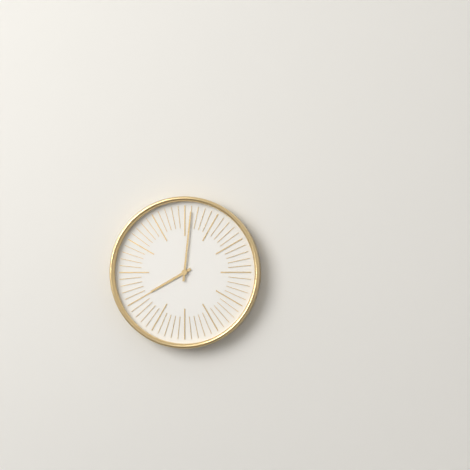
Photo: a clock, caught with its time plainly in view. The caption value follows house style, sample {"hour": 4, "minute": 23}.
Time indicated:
{"hour": 8, "minute": 1}
